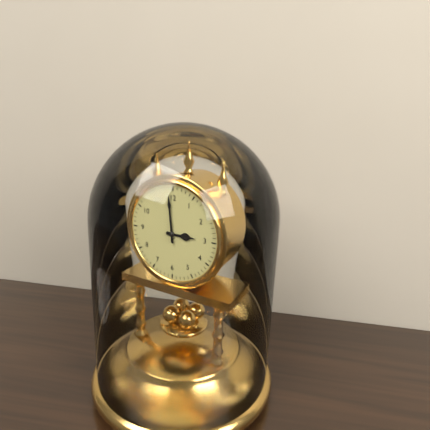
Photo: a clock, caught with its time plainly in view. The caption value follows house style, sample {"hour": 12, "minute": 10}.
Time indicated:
{"hour": 2, "minute": 59}
